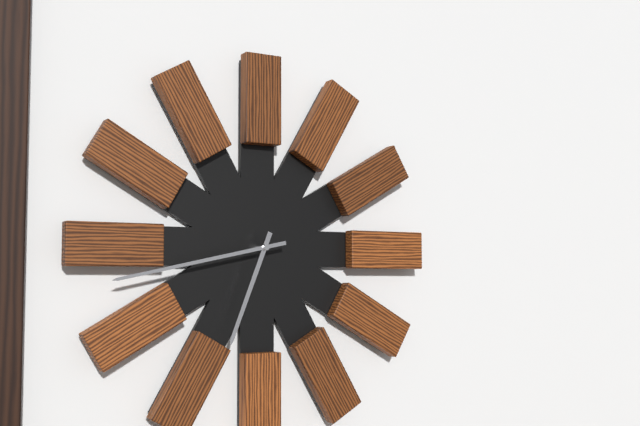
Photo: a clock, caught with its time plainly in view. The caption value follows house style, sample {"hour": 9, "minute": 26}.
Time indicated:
{"hour": 6, "minute": 43}
